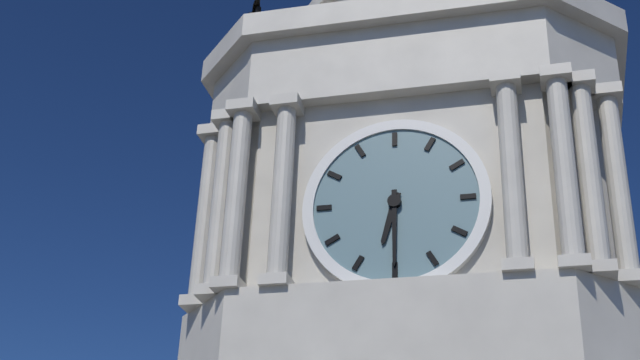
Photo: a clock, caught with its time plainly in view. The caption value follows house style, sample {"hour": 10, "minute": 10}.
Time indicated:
{"hour": 6, "minute": 30}
